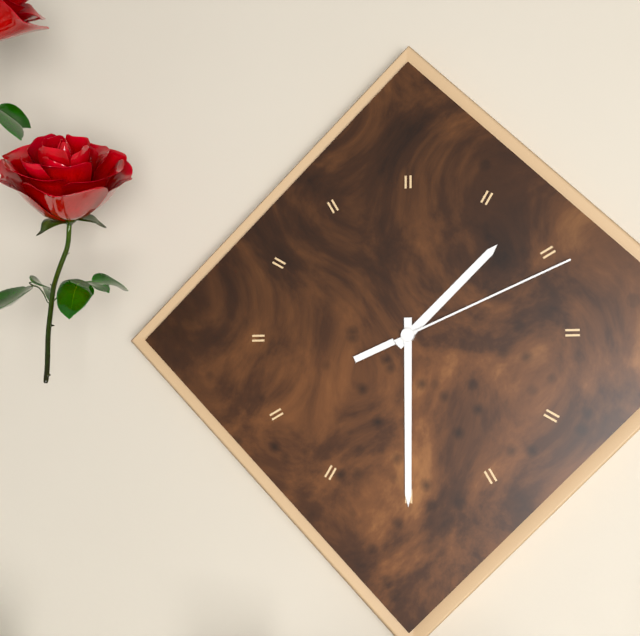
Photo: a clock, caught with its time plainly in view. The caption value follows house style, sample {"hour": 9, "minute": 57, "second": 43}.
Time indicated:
{"hour": 1, "minute": 30, "second": 11}
